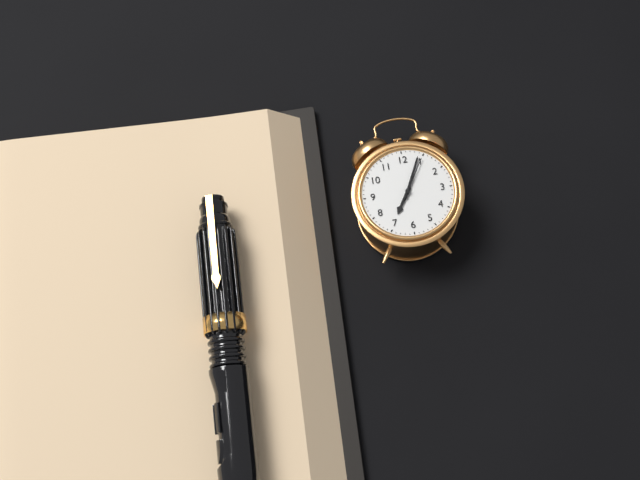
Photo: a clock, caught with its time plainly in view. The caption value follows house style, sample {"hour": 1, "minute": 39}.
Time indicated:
{"hour": 7, "minute": 4}
